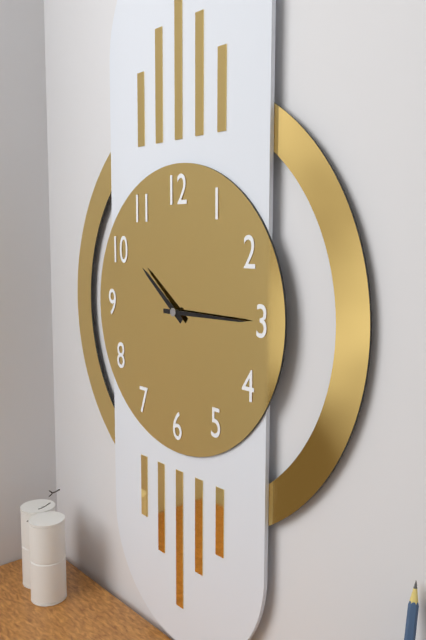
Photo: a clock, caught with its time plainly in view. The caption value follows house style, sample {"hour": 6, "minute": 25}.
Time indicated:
{"hour": 10, "minute": 15}
